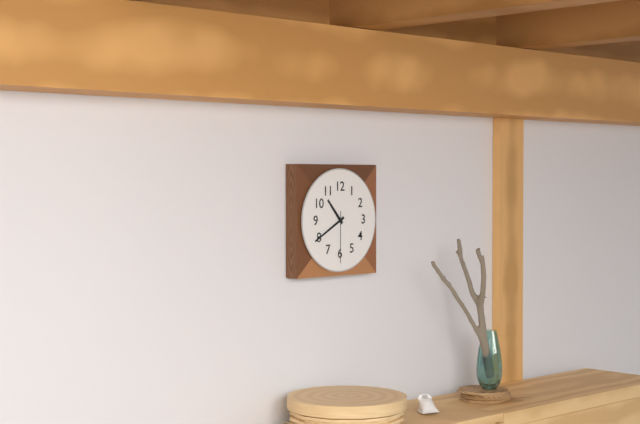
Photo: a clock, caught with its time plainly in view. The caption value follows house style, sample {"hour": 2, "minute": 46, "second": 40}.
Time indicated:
{"hour": 10, "minute": 40, "second": 30}
